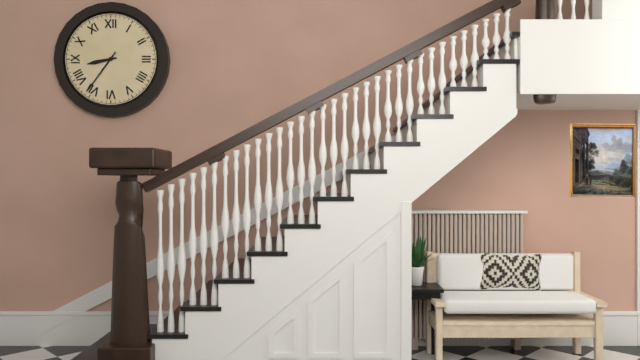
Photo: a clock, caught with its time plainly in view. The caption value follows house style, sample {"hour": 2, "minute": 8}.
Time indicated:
{"hour": 8, "minute": 36}
